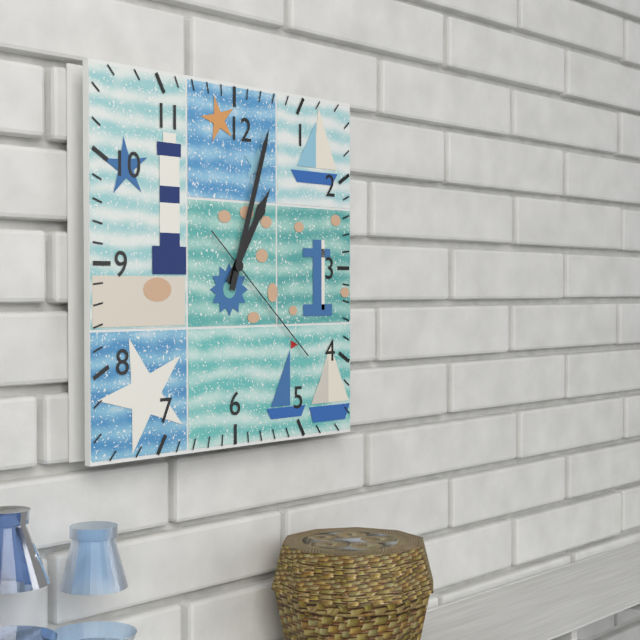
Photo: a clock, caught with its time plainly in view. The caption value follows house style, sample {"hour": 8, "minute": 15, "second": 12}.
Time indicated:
{"hour": 1, "minute": 3, "second": 22}
